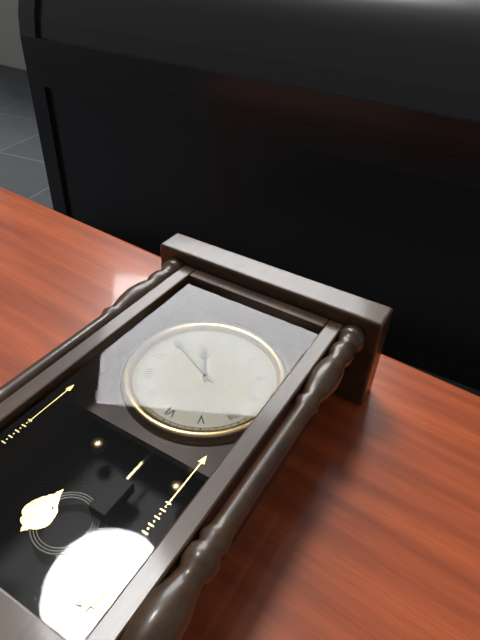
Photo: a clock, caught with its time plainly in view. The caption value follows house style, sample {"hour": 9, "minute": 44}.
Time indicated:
{"hour": 10, "minute": 49}
